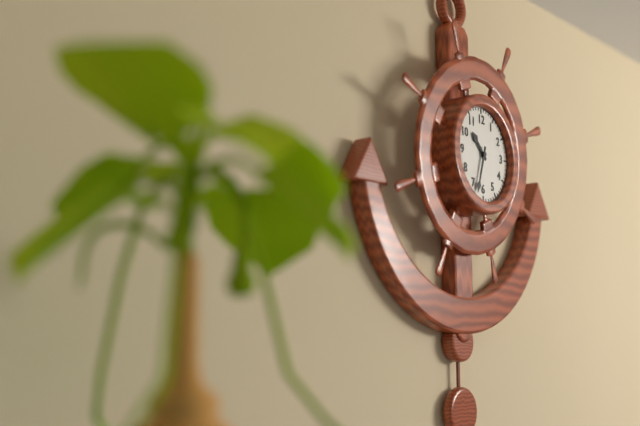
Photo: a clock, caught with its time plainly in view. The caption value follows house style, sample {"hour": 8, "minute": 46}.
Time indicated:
{"hour": 10, "minute": 33}
